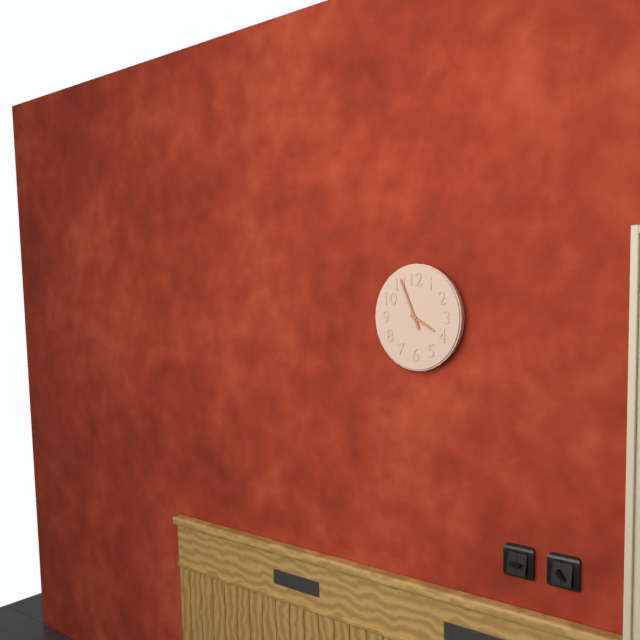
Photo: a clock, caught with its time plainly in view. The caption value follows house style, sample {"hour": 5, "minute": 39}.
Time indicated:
{"hour": 3, "minute": 56}
